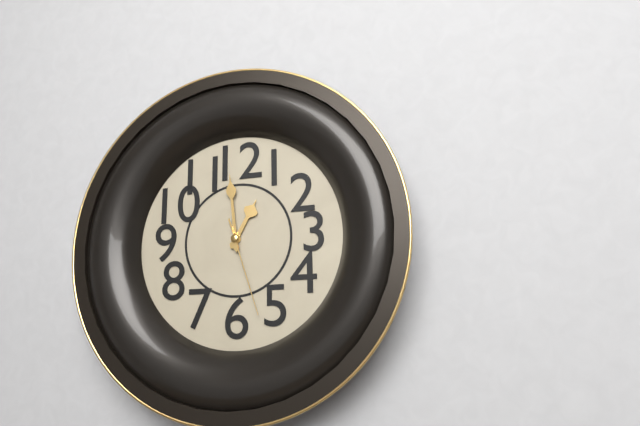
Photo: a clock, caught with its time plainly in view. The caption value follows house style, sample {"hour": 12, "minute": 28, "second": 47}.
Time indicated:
{"hour": 12, "minute": 59, "second": 27}
